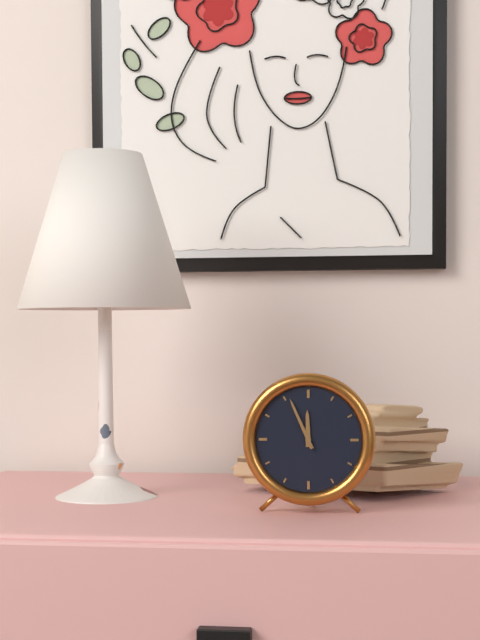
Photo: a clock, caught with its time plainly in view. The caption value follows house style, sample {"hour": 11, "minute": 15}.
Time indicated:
{"hour": 11, "minute": 56}
